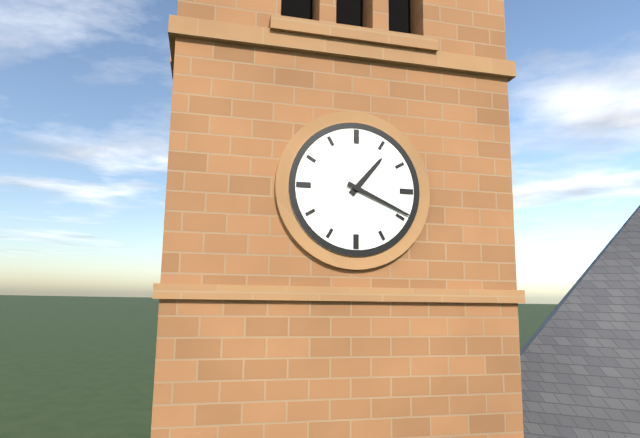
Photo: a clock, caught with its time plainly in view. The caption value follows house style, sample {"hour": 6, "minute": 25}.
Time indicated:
{"hour": 1, "minute": 19}
